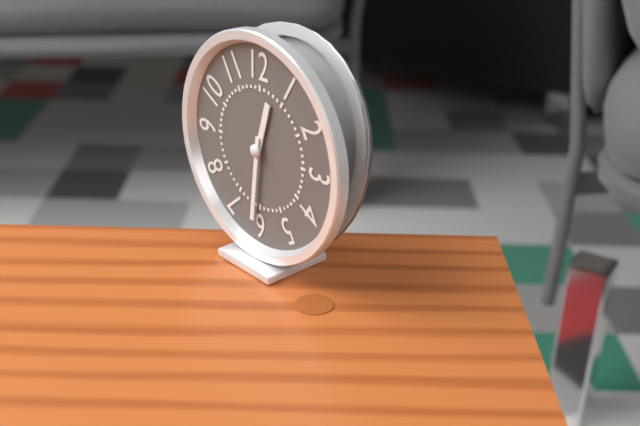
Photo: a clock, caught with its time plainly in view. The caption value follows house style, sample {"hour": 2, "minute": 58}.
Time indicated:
{"hour": 12, "minute": 31}
